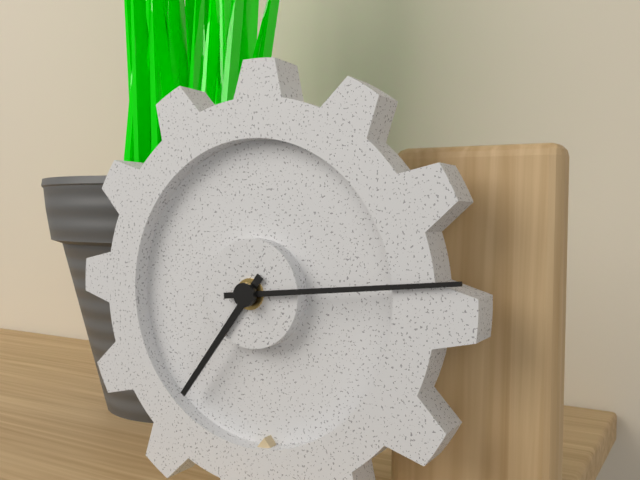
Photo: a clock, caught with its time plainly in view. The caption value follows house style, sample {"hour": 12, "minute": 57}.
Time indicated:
{"hour": 7, "minute": 14}
